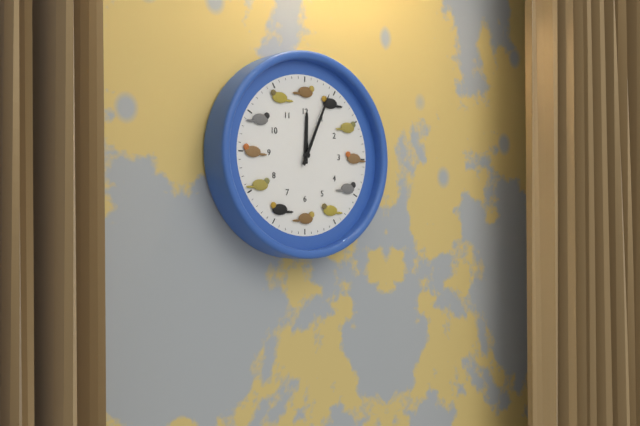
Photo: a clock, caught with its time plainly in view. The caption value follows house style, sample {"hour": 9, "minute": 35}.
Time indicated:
{"hour": 12, "minute": 4}
